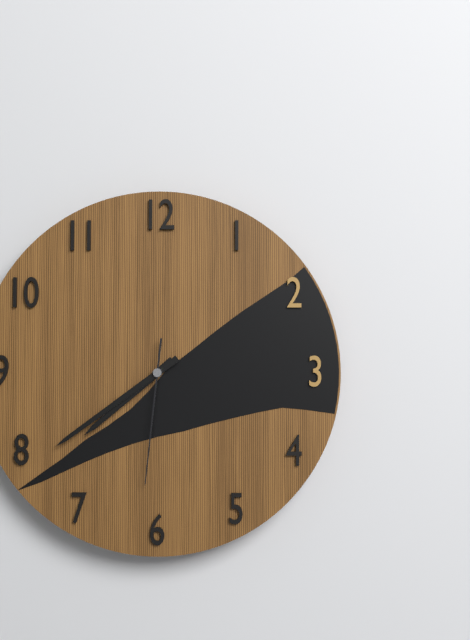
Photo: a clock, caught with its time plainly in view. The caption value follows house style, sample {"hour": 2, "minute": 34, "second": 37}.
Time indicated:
{"hour": 7, "minute": 39, "second": 31}
